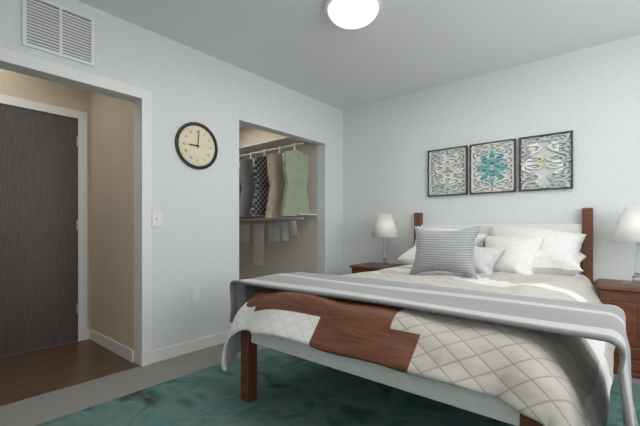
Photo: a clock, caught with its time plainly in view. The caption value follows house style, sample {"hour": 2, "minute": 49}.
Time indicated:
{"hour": 9, "minute": 1}
